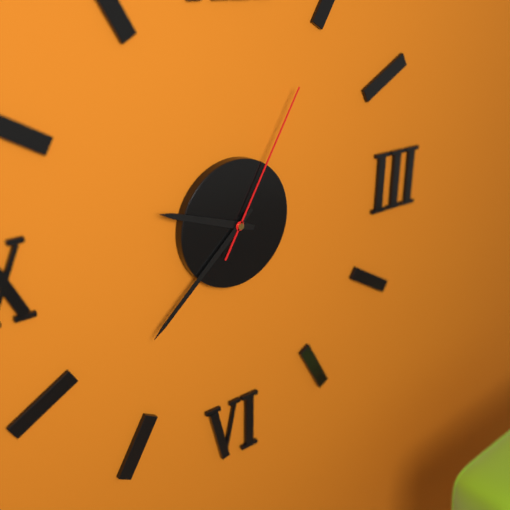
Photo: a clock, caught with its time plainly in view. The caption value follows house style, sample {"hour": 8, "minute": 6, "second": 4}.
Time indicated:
{"hour": 9, "minute": 38, "second": 5}
